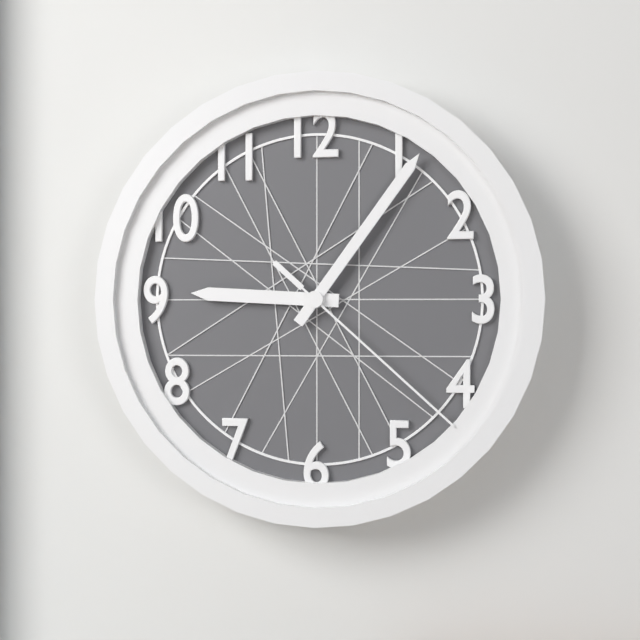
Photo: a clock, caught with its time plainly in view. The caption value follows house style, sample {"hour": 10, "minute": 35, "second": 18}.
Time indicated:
{"hour": 9, "minute": 6, "second": 22}
